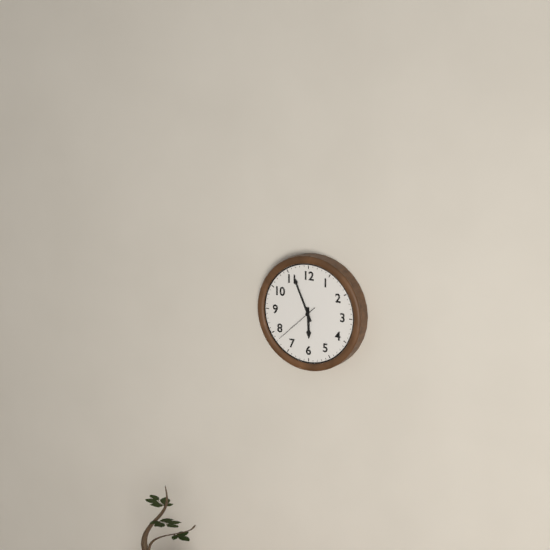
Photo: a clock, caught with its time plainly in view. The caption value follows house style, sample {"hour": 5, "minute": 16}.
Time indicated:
{"hour": 5, "minute": 56}
